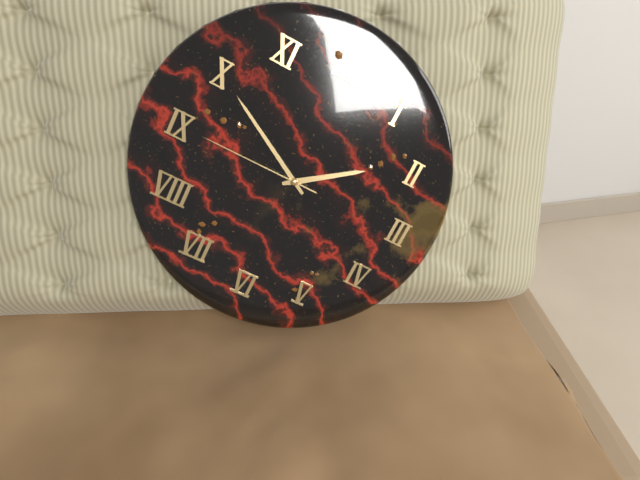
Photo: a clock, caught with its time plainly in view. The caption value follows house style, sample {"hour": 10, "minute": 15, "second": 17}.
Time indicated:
{"hour": 1, "minute": 50, "second": 45}
